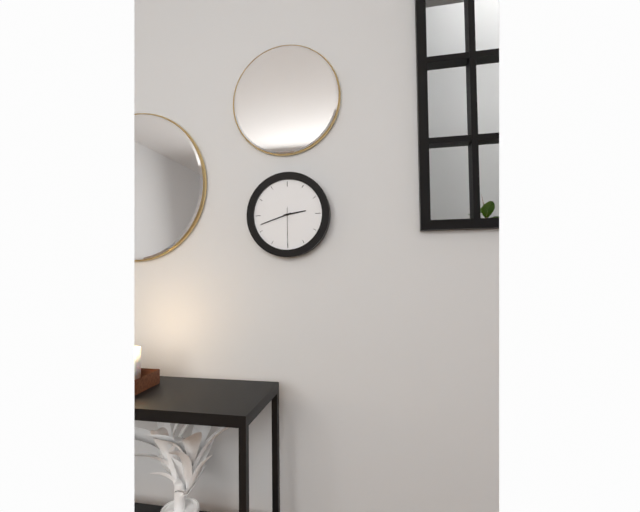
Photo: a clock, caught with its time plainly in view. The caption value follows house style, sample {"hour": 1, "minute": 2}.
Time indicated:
{"hour": 2, "minute": 42}
